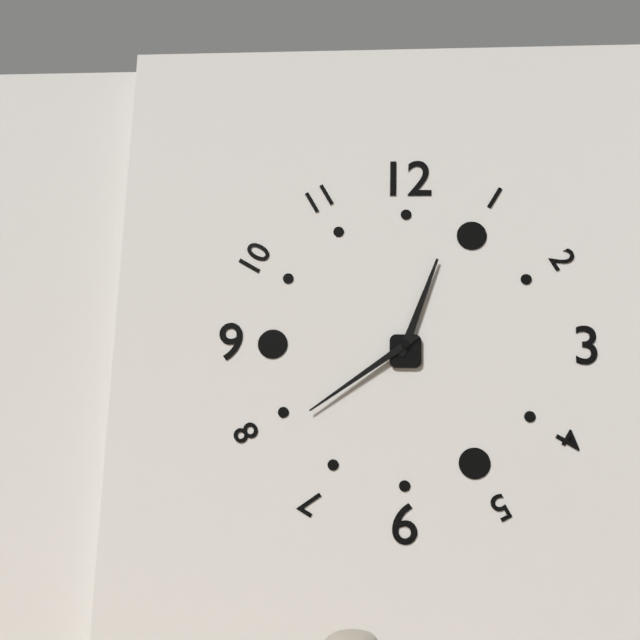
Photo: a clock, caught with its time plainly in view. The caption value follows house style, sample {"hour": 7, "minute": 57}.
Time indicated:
{"hour": 12, "minute": 39}
